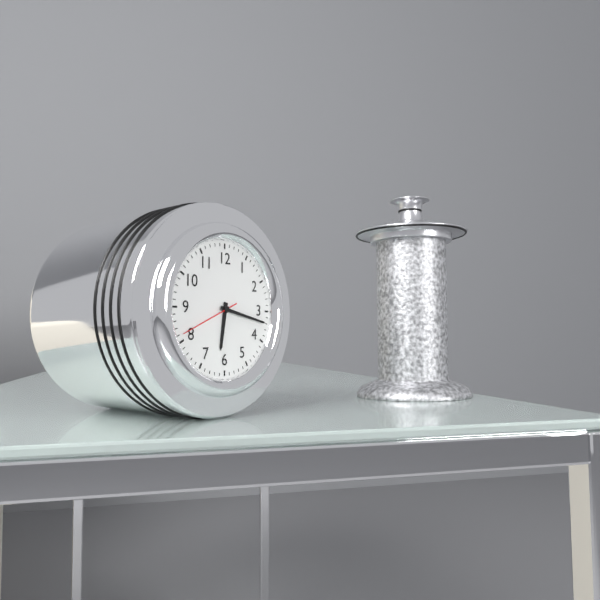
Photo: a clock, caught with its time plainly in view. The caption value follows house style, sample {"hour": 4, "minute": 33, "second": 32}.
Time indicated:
{"hour": 6, "minute": 17, "second": 41}
